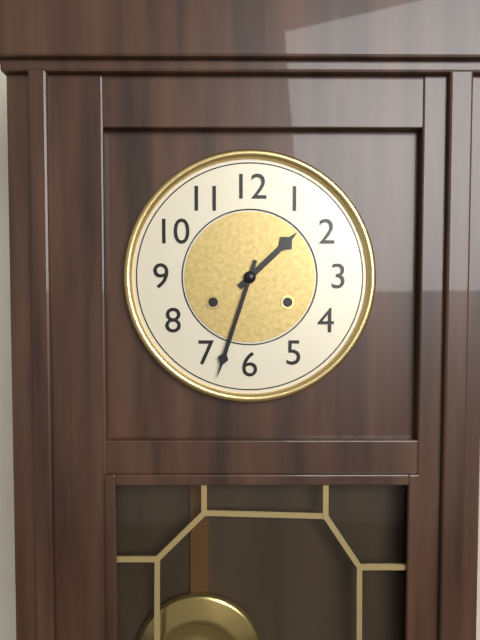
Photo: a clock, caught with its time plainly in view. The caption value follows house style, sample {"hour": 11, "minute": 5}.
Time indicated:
{"hour": 1, "minute": 33}
